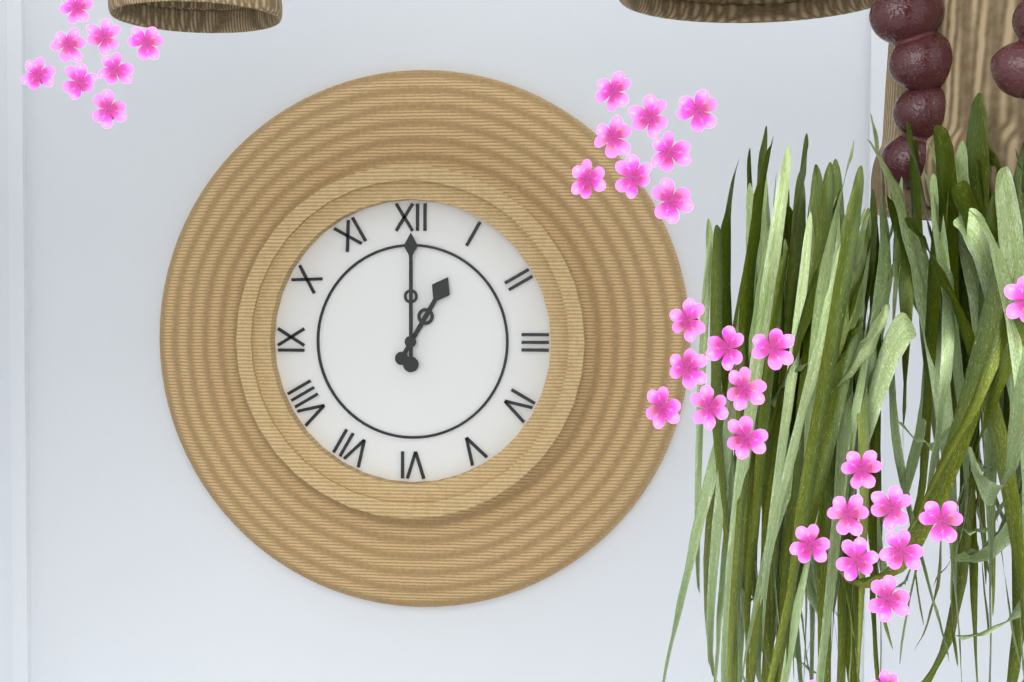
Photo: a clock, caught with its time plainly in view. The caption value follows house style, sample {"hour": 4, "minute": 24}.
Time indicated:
{"hour": 1, "minute": 0}
